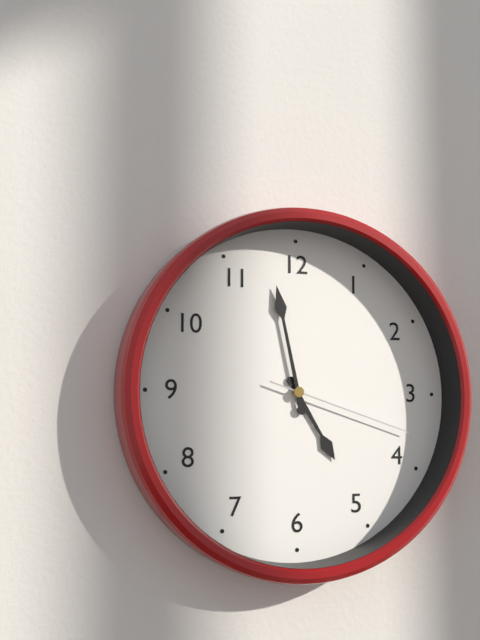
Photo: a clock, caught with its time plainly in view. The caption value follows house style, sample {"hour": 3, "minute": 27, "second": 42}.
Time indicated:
{"hour": 4, "minute": 58, "second": 18}
